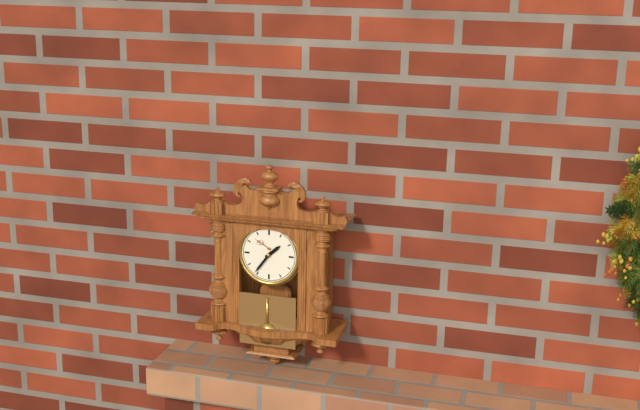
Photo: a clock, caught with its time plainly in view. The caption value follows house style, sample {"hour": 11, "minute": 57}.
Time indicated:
{"hour": 1, "minute": 36}
